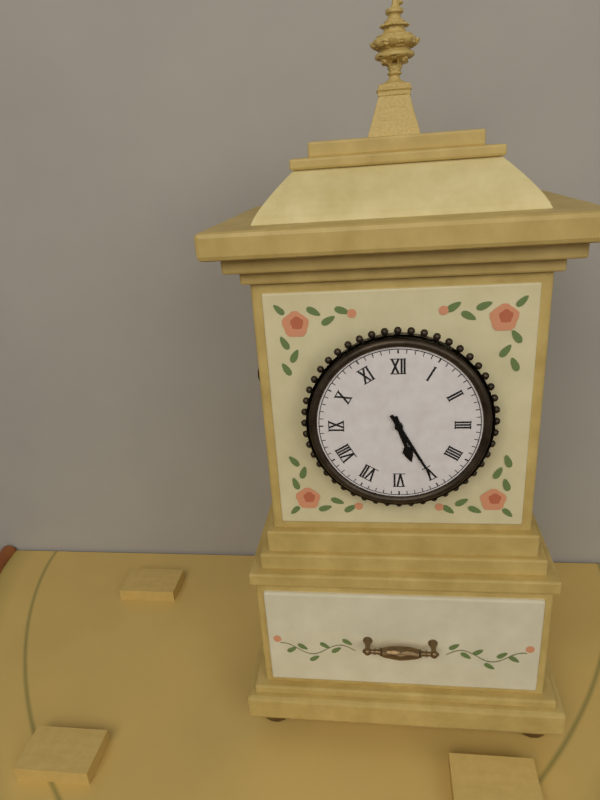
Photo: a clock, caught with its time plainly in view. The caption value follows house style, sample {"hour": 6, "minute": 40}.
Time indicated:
{"hour": 5, "minute": 25}
